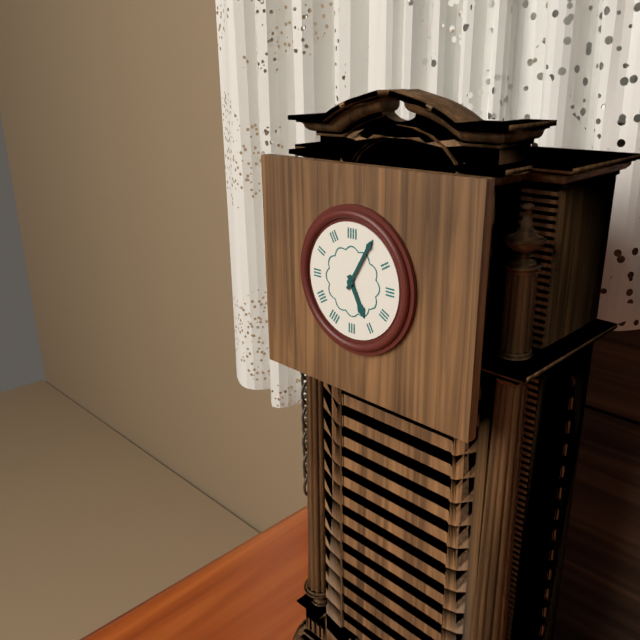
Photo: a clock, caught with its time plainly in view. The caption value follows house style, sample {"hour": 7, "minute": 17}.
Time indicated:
{"hour": 5, "minute": 5}
